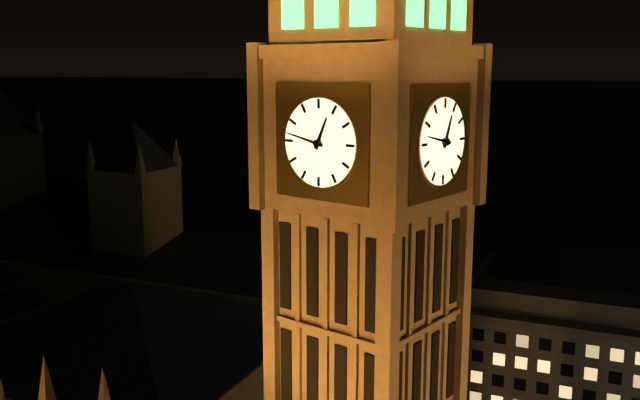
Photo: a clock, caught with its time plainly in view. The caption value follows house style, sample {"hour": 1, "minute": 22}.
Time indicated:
{"hour": 12, "minute": 47}
